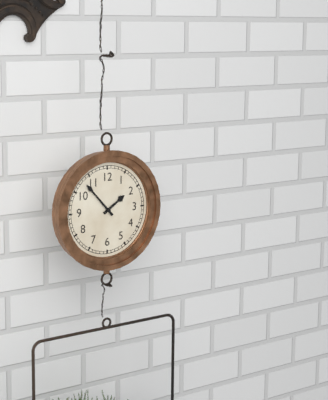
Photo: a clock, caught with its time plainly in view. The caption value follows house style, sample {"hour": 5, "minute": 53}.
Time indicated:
{"hour": 1, "minute": 53}
